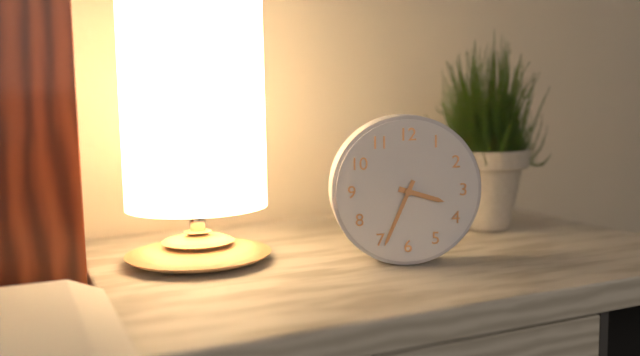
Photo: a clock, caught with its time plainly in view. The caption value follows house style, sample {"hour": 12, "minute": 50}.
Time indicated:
{"hour": 3, "minute": 34}
